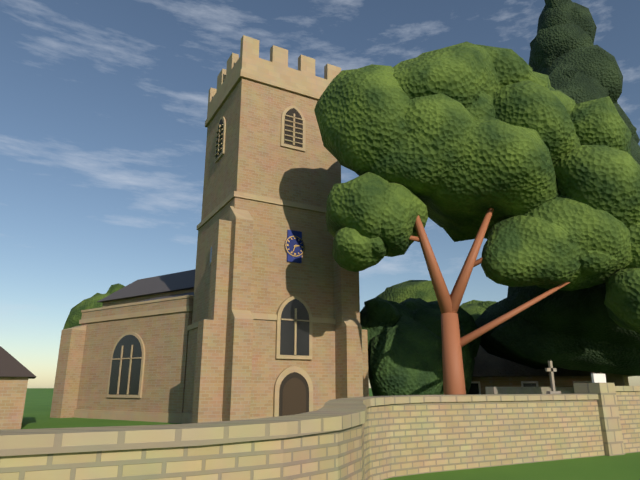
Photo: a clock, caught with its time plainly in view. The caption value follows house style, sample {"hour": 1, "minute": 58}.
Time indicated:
{"hour": 2, "minute": 34}
